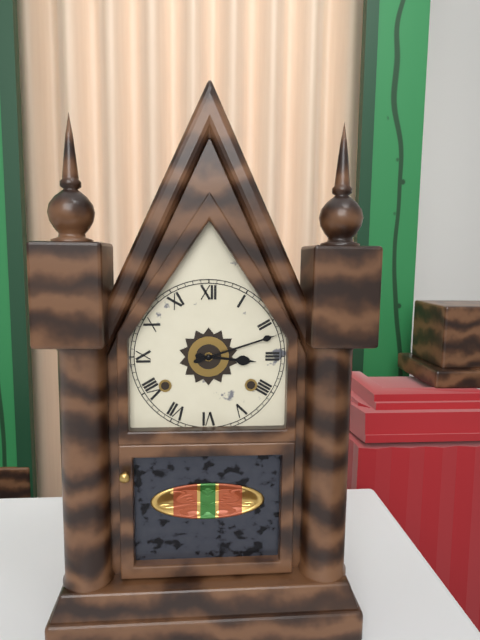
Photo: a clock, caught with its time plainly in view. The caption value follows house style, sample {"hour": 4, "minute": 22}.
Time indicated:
{"hour": 3, "minute": 12}
